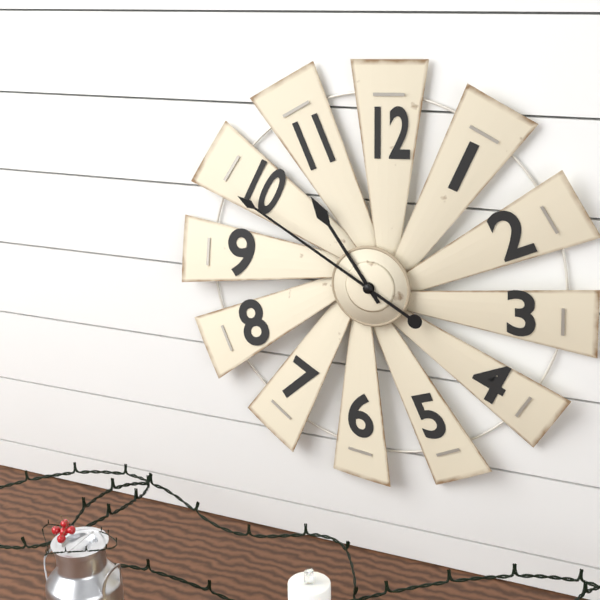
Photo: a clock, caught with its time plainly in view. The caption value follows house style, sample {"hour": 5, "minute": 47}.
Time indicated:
{"hour": 10, "minute": 50}
